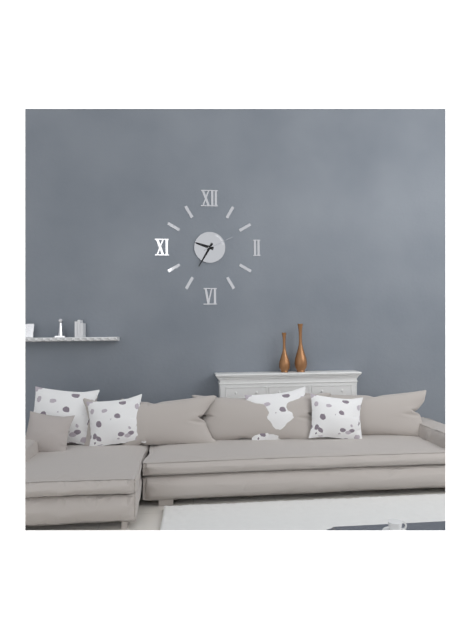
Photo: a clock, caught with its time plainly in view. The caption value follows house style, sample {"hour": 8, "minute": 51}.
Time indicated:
{"hour": 9, "minute": 35}
